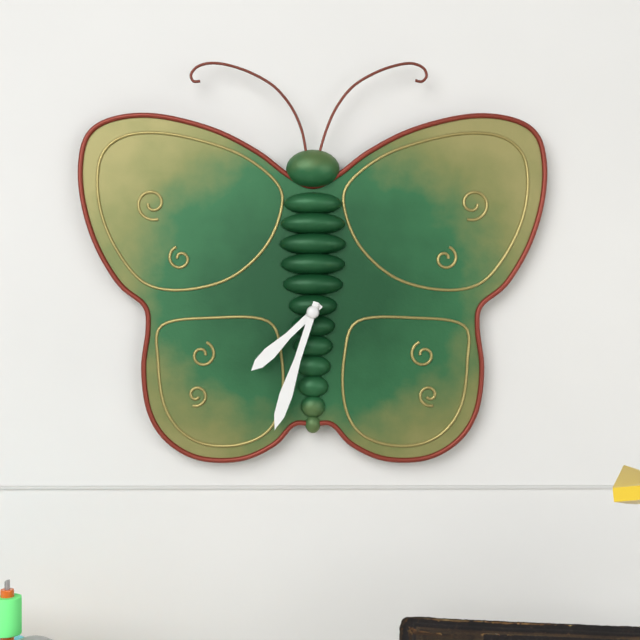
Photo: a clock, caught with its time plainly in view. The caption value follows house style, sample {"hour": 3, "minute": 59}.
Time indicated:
{"hour": 7, "minute": 33}
